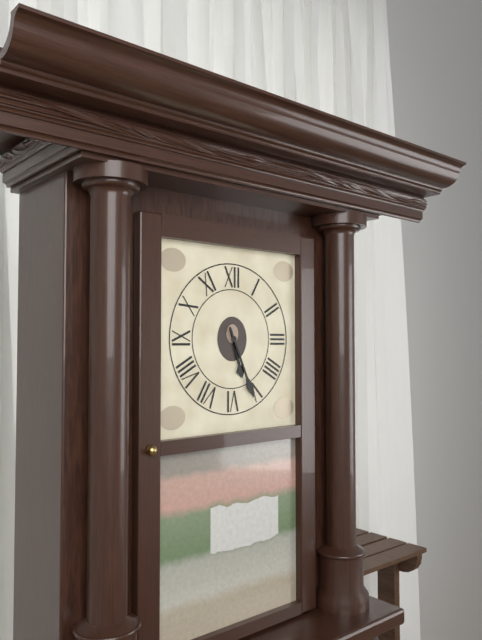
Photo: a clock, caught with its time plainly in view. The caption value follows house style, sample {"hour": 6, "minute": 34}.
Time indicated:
{"hour": 5, "minute": 26}
